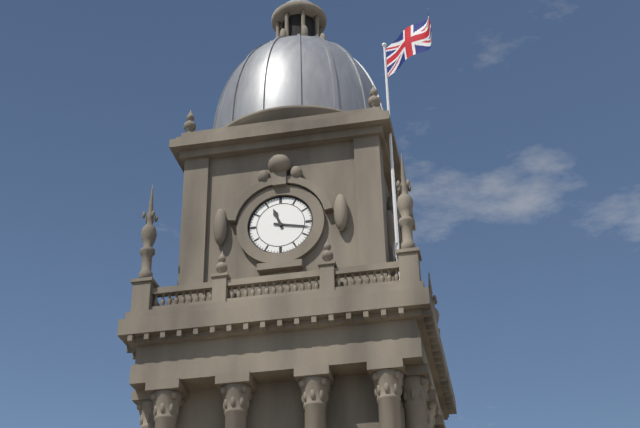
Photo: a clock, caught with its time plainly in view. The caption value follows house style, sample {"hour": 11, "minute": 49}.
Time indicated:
{"hour": 11, "minute": 17}
